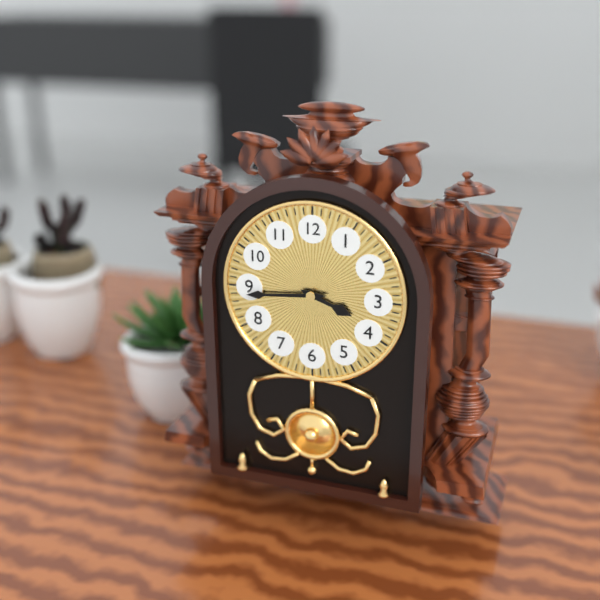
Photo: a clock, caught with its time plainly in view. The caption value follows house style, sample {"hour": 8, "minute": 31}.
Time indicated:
{"hour": 3, "minute": 44}
